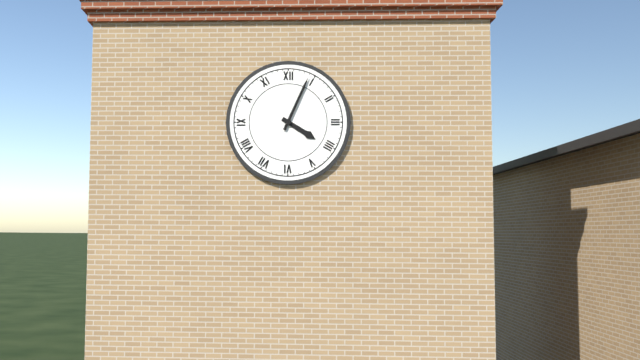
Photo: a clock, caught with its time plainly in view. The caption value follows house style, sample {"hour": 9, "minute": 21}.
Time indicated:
{"hour": 4, "minute": 4}
